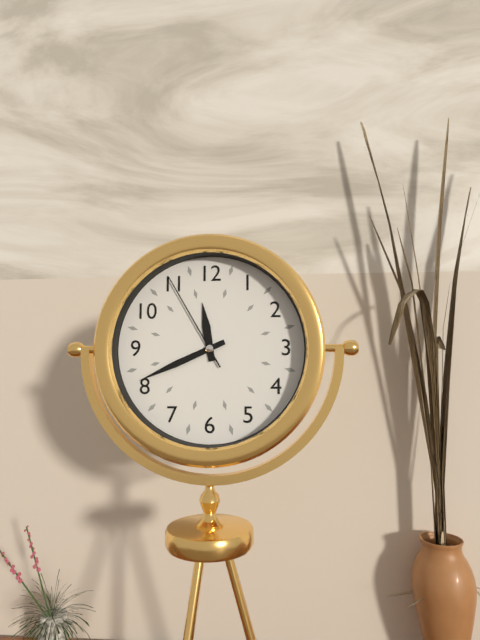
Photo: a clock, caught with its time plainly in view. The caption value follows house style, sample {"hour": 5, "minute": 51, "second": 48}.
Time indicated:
{"hour": 11, "minute": 41, "second": 55}
